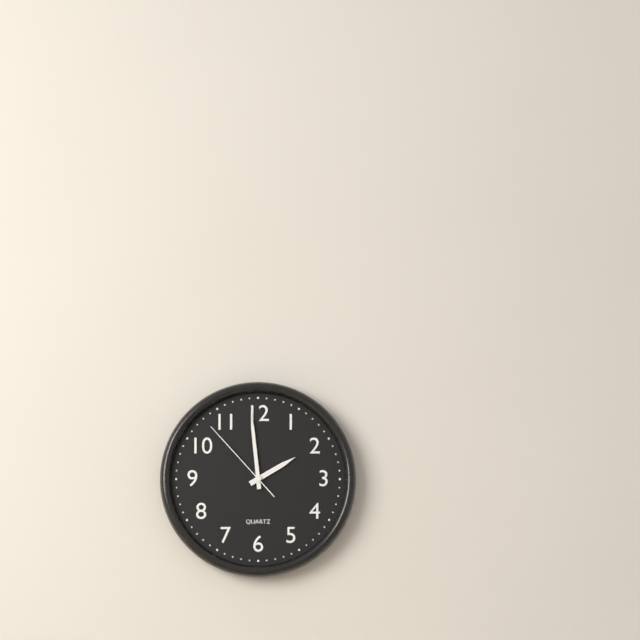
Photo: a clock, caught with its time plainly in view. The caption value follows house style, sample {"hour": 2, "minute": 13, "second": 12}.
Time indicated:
{"hour": 1, "minute": 59, "second": 53}
